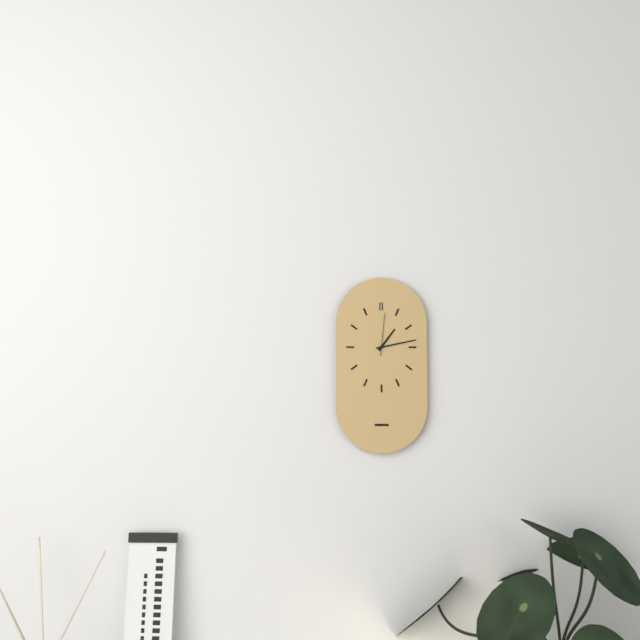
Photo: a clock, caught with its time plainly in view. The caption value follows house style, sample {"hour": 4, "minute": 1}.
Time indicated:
{"hour": 1, "minute": 13}
